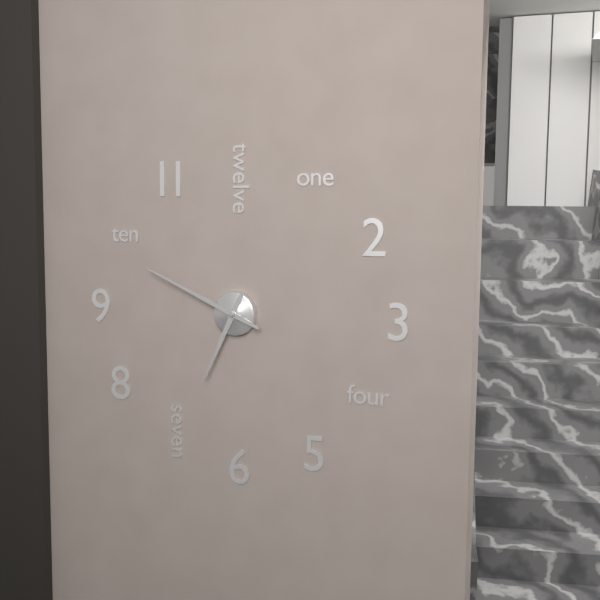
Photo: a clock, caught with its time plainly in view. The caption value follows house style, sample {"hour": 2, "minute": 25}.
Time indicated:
{"hour": 6, "minute": 49}
